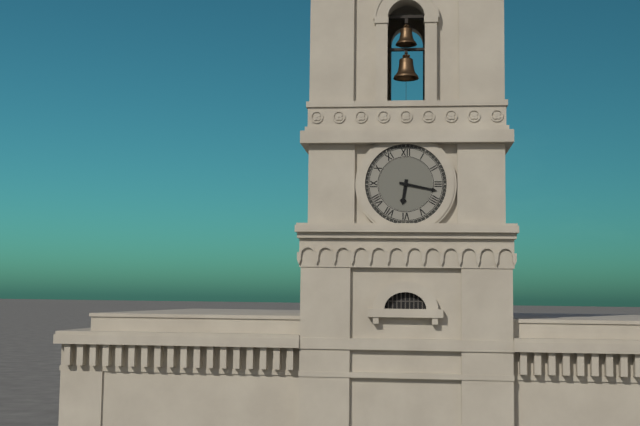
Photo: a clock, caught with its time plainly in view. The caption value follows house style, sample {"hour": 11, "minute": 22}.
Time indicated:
{"hour": 6, "minute": 17}
